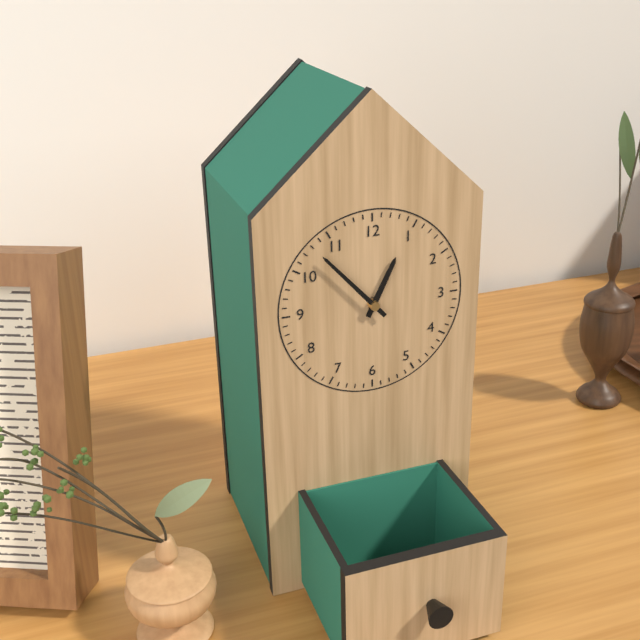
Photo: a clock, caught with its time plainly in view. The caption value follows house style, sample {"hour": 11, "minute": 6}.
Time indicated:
{"hour": 12, "minute": 53}
